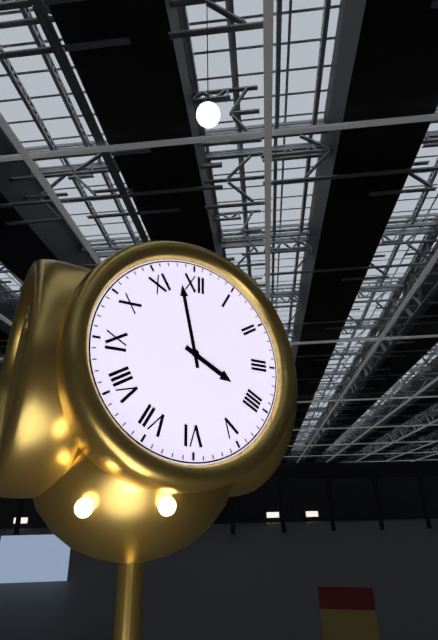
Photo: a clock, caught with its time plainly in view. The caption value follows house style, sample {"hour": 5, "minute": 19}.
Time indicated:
{"hour": 3, "minute": 58}
